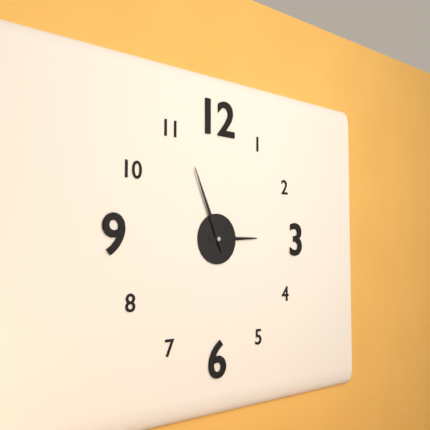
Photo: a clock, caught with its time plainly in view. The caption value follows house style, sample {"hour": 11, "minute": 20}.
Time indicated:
{"hour": 2, "minute": 56}
